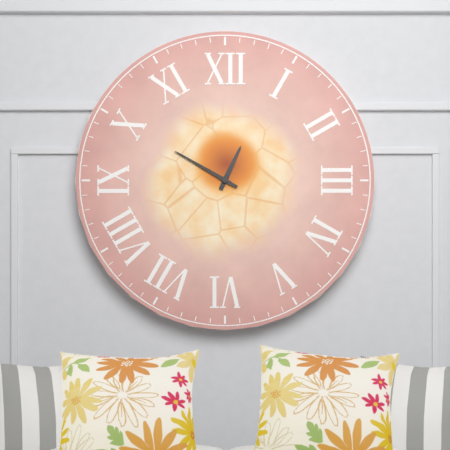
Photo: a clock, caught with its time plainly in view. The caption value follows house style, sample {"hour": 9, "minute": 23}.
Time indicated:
{"hour": 12, "minute": 50}
